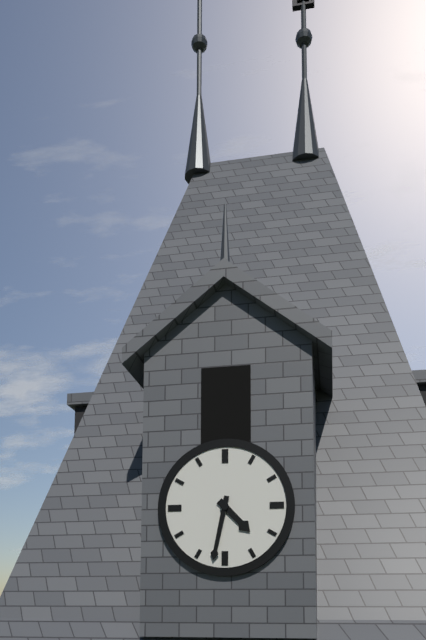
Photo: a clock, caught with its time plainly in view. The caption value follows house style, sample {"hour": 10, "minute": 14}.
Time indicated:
{"hour": 4, "minute": 32}
